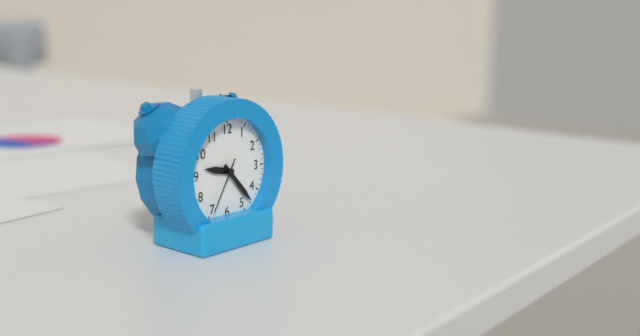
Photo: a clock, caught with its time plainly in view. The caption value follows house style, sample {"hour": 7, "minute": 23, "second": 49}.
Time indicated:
{"hour": 9, "minute": 23, "second": 35}
